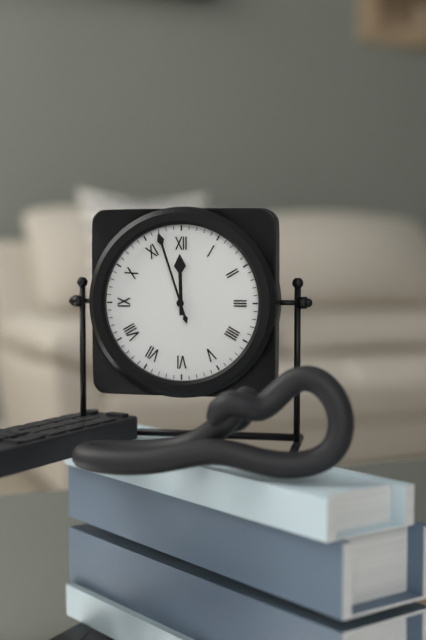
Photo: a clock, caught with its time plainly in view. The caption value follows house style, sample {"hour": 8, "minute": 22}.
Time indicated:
{"hour": 11, "minute": 57}
